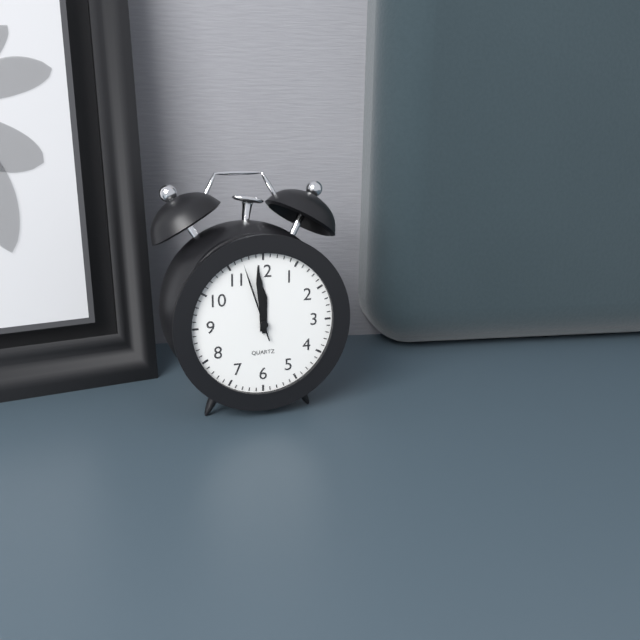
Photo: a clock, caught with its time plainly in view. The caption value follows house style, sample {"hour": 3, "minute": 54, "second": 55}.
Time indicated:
{"hour": 11, "minute": 59, "second": 57}
